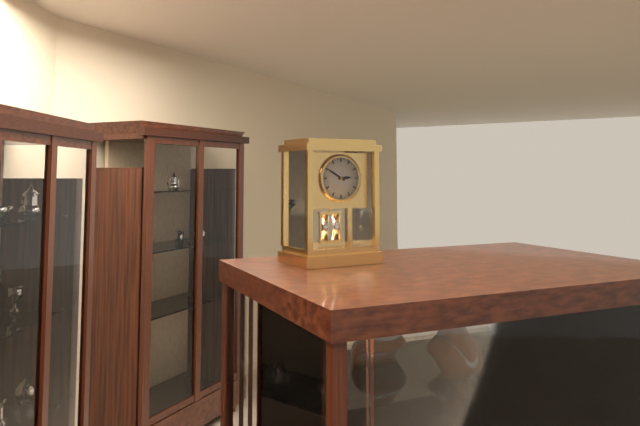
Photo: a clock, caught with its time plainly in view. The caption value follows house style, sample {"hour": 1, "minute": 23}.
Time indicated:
{"hour": 2, "minute": 50}
